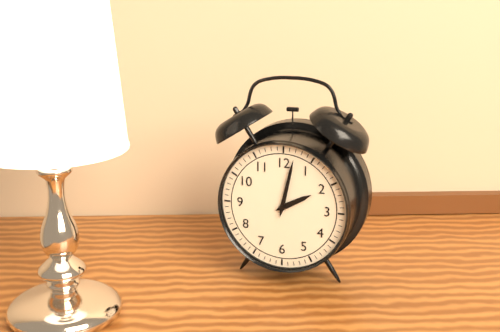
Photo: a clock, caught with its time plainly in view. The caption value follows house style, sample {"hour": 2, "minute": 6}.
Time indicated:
{"hour": 2, "minute": 2}
